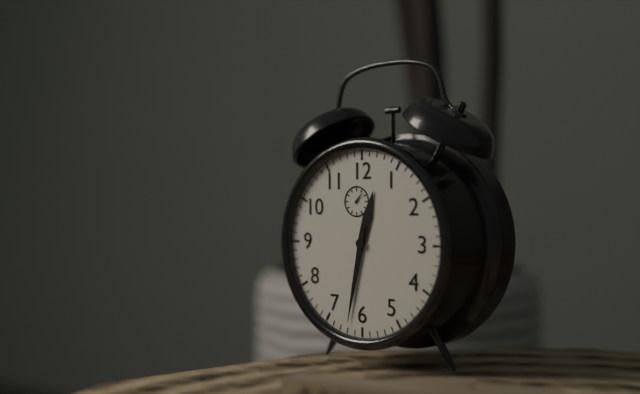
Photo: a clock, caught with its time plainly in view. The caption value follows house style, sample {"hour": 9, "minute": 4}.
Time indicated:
{"hour": 12, "minute": 32}
